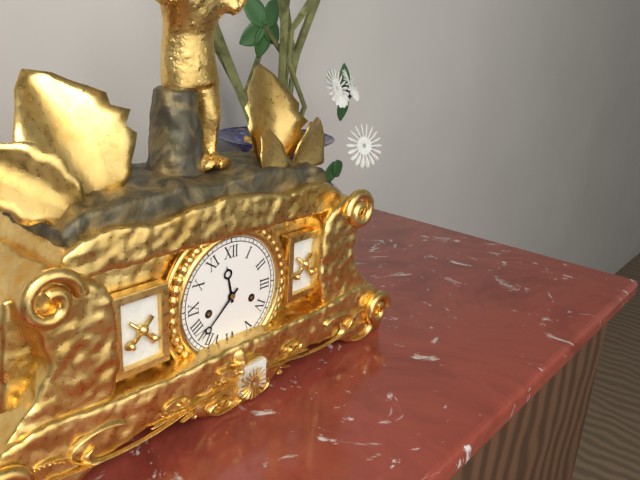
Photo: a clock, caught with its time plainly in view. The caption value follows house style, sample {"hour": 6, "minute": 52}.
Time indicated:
{"hour": 11, "minute": 38}
